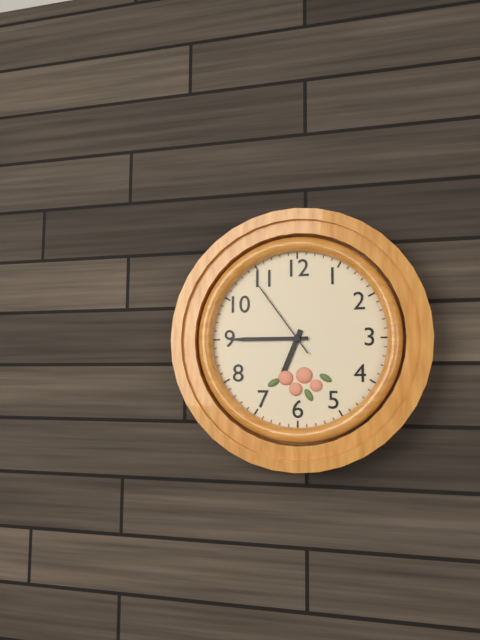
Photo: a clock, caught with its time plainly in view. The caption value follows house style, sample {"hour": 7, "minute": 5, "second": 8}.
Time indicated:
{"hour": 6, "minute": 45, "second": 54}
